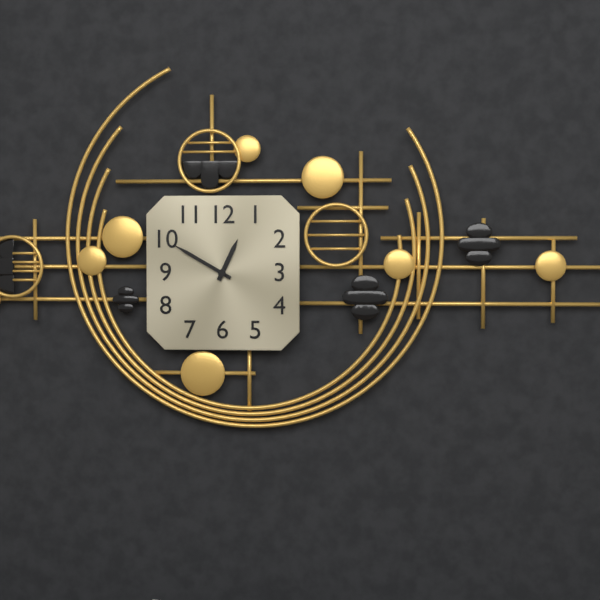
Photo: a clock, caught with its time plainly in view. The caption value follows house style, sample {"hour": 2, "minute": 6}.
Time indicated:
{"hour": 12, "minute": 50}
